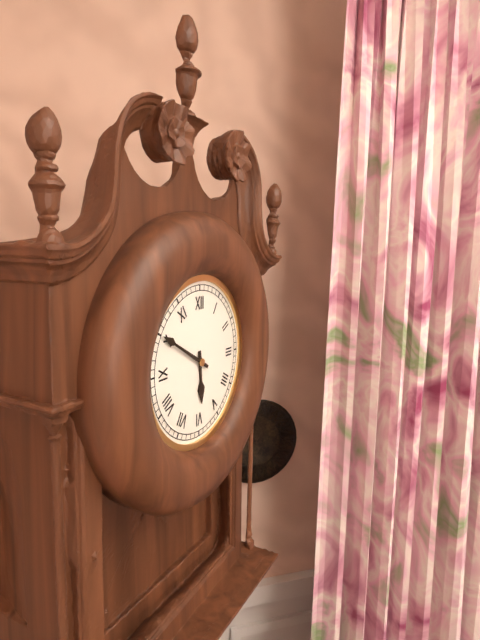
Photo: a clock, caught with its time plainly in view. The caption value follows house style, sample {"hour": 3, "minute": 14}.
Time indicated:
{"hour": 5, "minute": 50}
